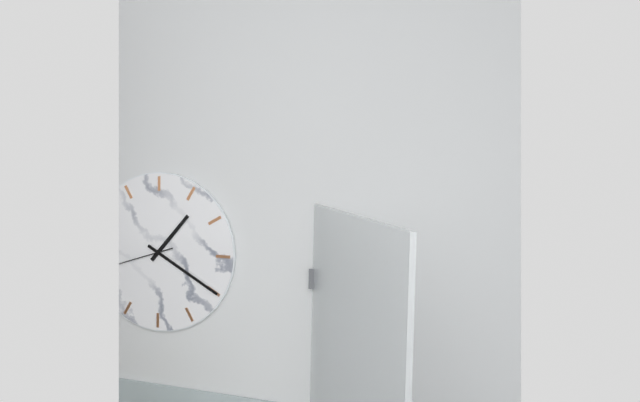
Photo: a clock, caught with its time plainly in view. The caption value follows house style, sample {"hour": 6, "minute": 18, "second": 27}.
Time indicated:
{"hour": 1, "minute": 20, "second": 42}
